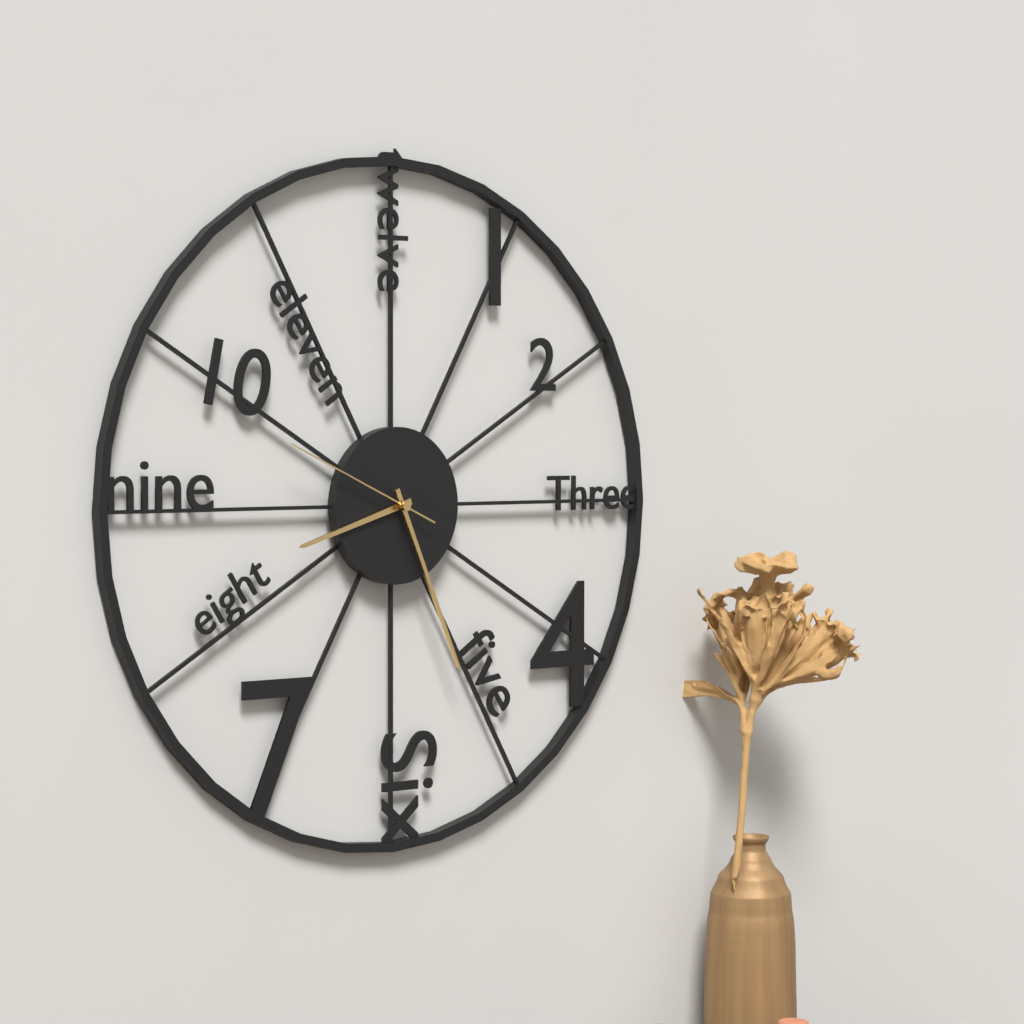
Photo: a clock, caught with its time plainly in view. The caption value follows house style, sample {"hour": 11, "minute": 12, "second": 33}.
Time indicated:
{"hour": 8, "minute": 26, "second": 49}
